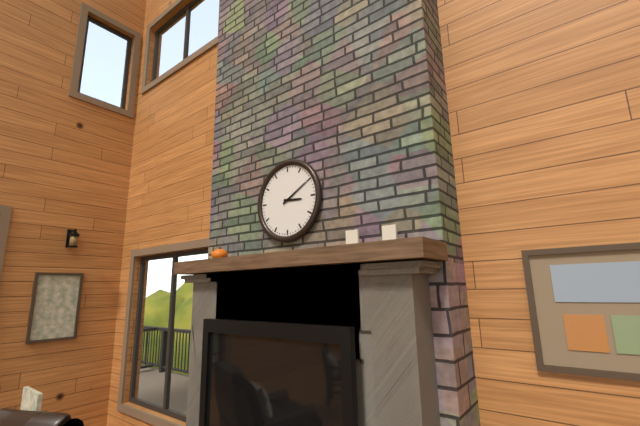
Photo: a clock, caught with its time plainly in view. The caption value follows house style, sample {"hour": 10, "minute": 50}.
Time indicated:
{"hour": 3, "minute": 10}
